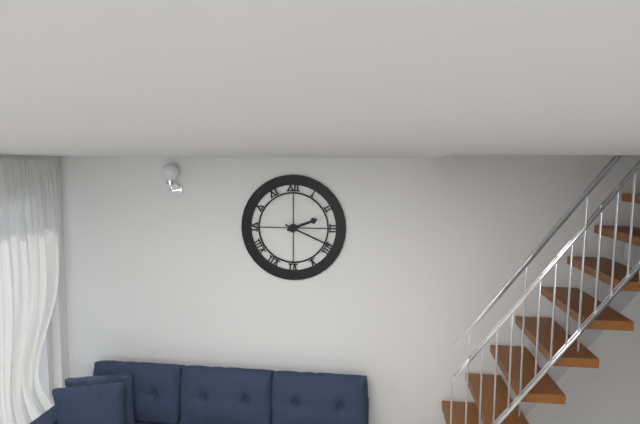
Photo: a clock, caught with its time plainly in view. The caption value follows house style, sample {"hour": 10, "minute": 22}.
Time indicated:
{"hour": 2, "minute": 19}
